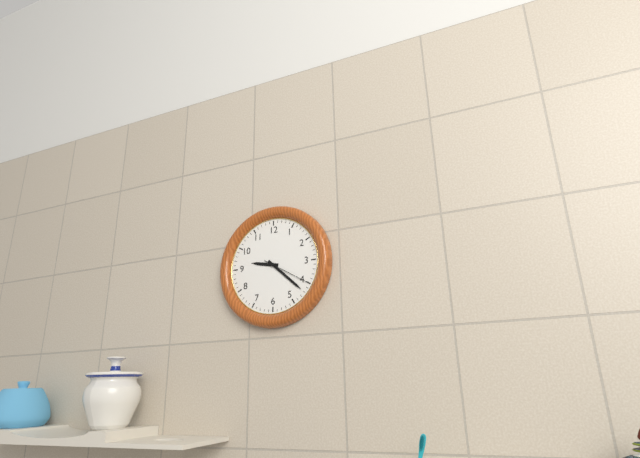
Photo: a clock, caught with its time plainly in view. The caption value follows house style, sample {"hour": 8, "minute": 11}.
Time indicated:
{"hour": 9, "minute": 22}
